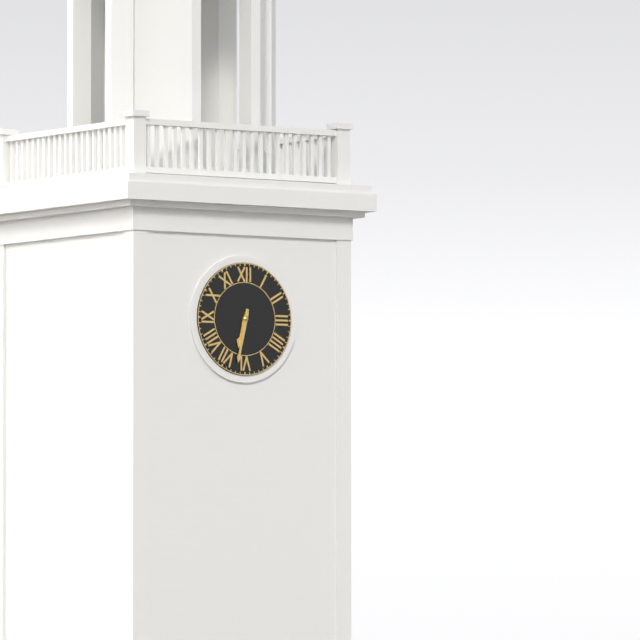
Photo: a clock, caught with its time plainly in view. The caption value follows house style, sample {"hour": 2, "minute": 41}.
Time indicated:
{"hour": 6, "minute": 32}
